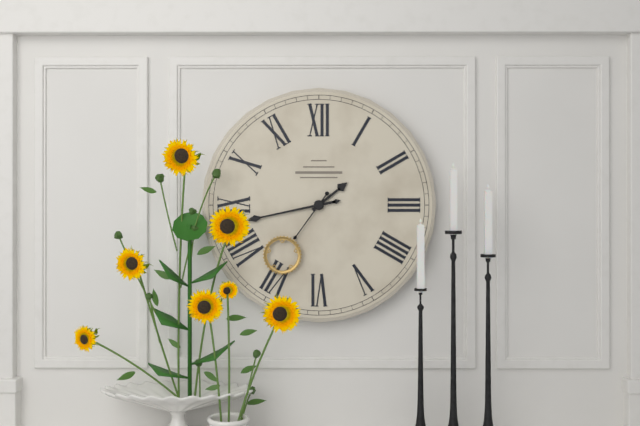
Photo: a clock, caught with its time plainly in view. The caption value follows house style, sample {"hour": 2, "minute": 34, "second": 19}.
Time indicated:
{"hour": 1, "minute": 43, "second": 36}
